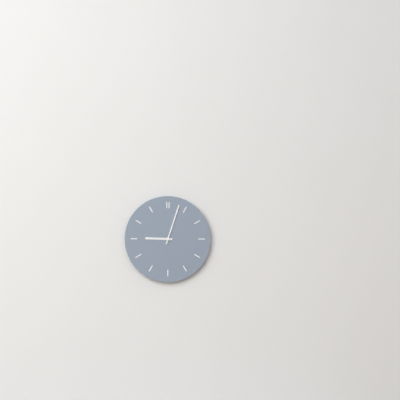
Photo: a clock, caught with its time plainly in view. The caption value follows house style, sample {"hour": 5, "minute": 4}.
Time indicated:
{"hour": 9, "minute": 3}
